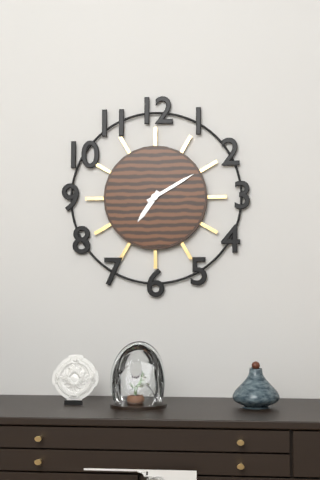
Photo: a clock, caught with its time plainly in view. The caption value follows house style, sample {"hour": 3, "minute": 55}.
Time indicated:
{"hour": 7, "minute": 10}
